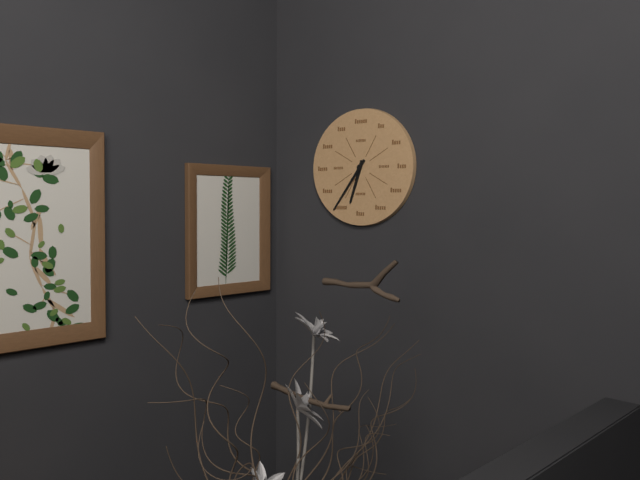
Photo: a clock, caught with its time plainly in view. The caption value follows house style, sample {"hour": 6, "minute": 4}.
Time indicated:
{"hour": 6, "minute": 36}
